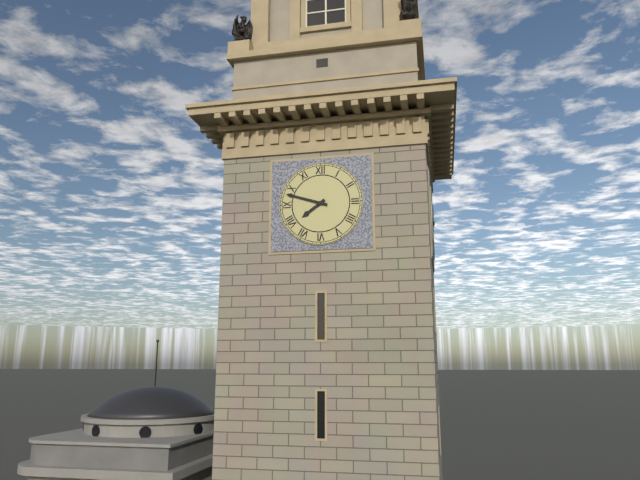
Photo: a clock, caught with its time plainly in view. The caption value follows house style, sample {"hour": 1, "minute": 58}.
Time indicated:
{"hour": 7, "minute": 48}
